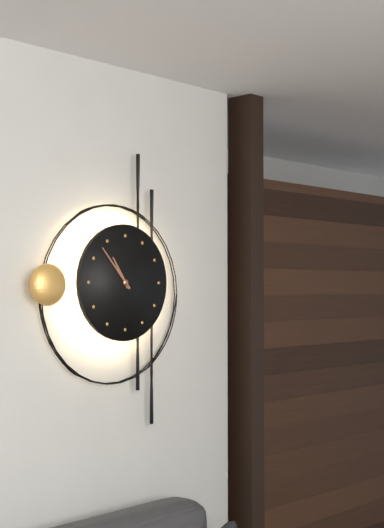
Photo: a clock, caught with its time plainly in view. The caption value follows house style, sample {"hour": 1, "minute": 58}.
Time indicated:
{"hour": 10, "minute": 53}
